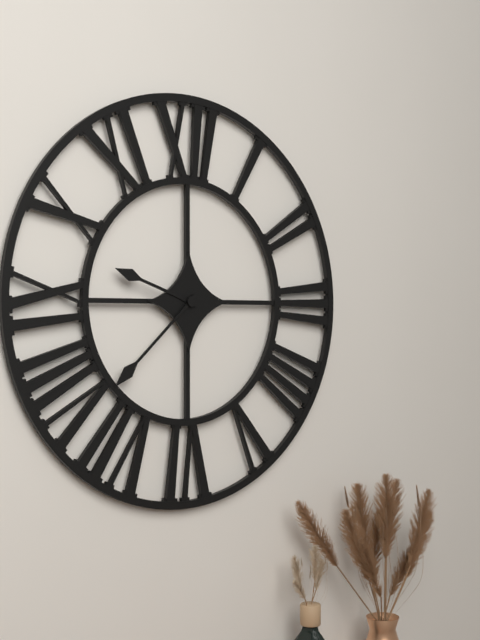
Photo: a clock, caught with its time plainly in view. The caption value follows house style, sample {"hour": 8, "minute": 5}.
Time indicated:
{"hour": 9, "minute": 38}
